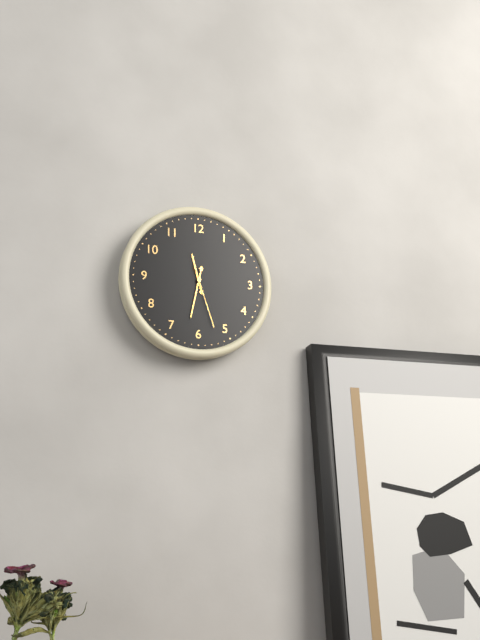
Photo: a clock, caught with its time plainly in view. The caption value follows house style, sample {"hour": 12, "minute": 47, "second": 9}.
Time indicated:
{"hour": 11, "minute": 32, "second": 27}
